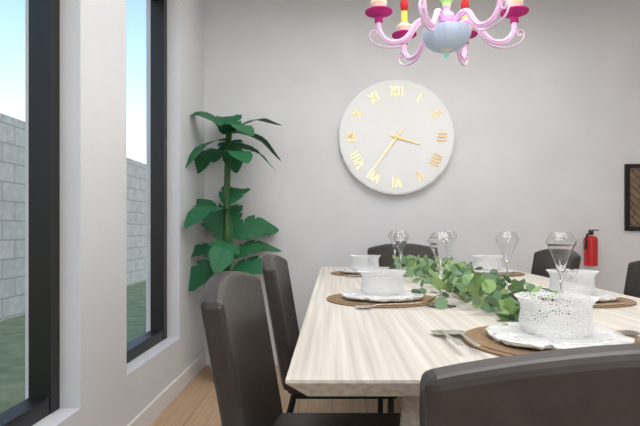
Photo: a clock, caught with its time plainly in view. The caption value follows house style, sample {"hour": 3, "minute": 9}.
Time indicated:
{"hour": 3, "minute": 36}
